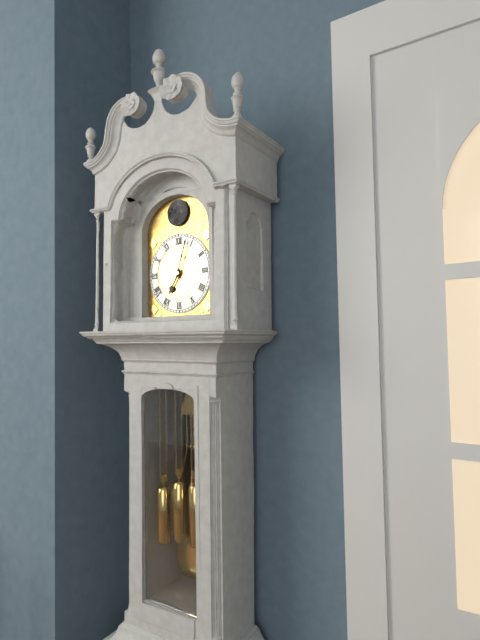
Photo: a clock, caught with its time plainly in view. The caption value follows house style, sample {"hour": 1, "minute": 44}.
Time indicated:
{"hour": 7, "minute": 3}
